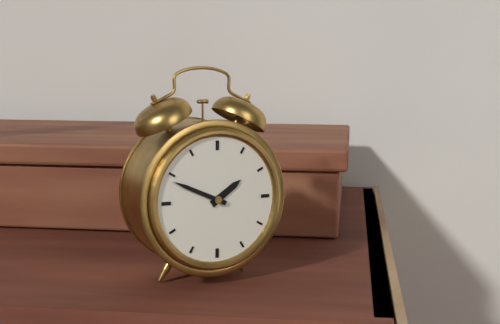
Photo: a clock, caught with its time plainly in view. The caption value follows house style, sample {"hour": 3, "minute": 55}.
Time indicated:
{"hour": 1, "minute": 49}
